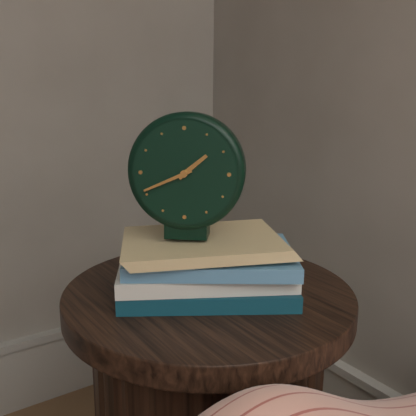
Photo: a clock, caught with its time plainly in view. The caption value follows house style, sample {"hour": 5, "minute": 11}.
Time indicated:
{"hour": 1, "minute": 41}
